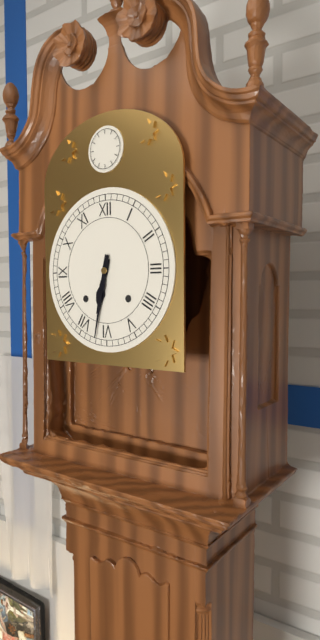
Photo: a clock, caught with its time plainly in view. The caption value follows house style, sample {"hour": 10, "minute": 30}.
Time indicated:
{"hour": 6, "minute": 32}
